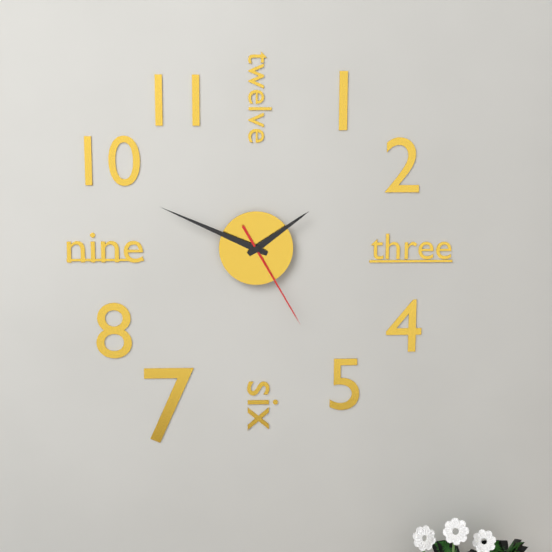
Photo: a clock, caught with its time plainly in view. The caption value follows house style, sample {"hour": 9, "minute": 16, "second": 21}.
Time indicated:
{"hour": 1, "minute": 49, "second": 25}
